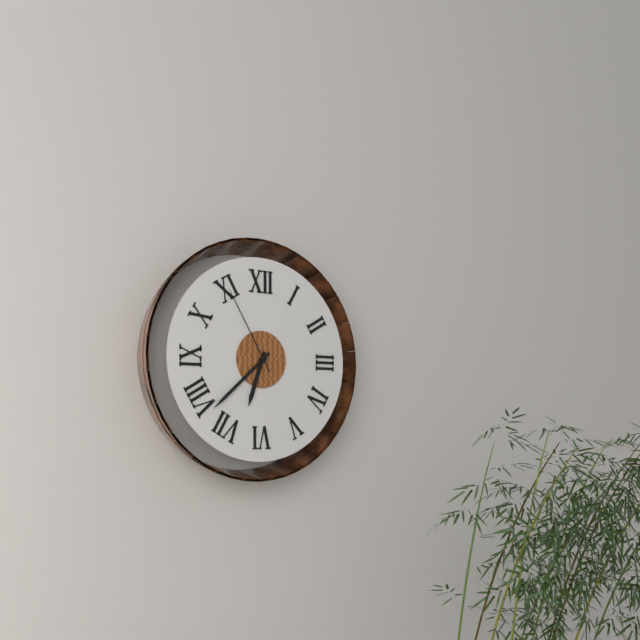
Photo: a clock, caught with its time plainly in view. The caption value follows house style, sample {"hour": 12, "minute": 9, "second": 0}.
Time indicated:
{"hour": 6, "minute": 38, "second": 55}
